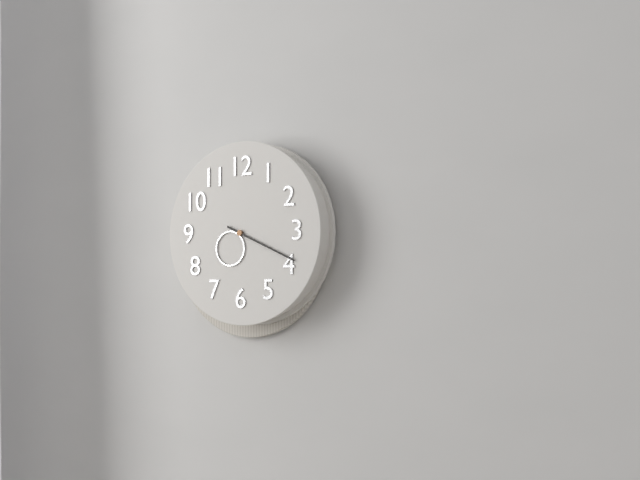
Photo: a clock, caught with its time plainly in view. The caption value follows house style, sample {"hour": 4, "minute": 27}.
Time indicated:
{"hour": 7, "minute": 19}
